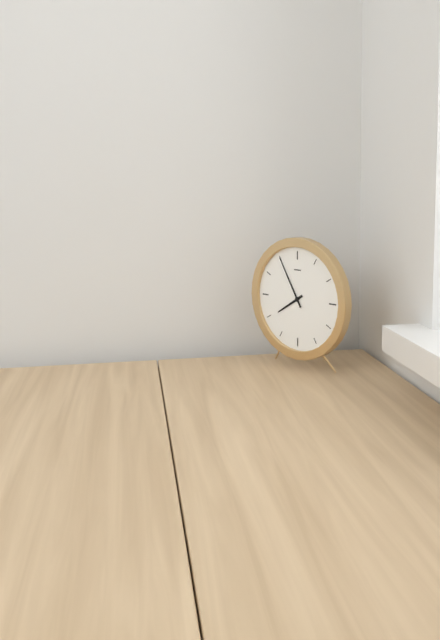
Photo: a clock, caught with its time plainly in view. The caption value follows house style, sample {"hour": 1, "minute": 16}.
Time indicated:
{"hour": 7, "minute": 55}
